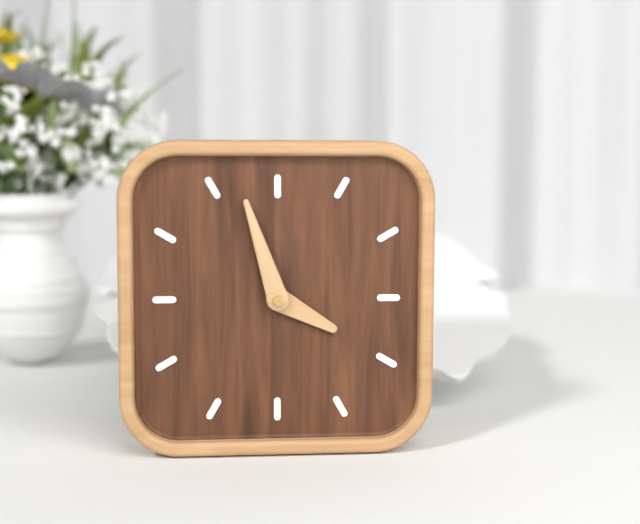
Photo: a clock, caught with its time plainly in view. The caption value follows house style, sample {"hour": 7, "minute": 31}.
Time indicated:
{"hour": 3, "minute": 57}
